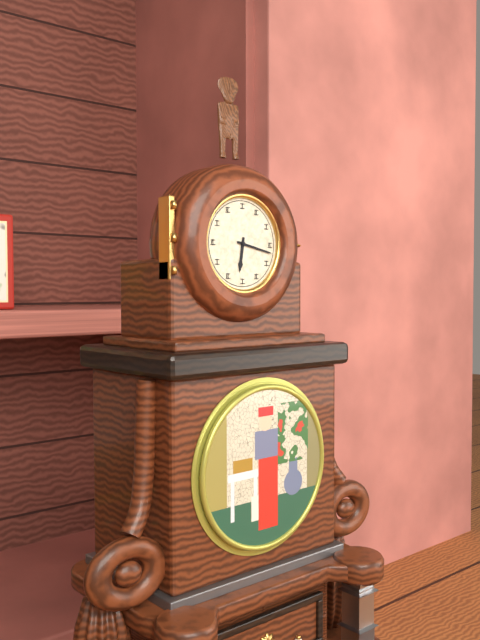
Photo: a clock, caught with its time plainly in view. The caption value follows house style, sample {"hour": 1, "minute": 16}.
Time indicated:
{"hour": 6, "minute": 17}
